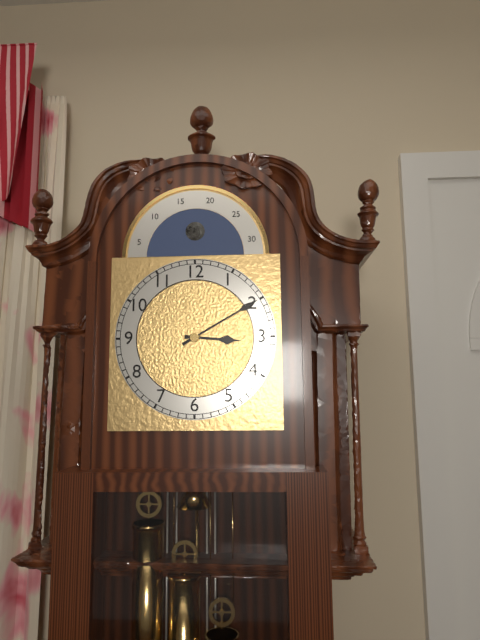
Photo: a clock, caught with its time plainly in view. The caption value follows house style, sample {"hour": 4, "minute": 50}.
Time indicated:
{"hour": 3, "minute": 10}
